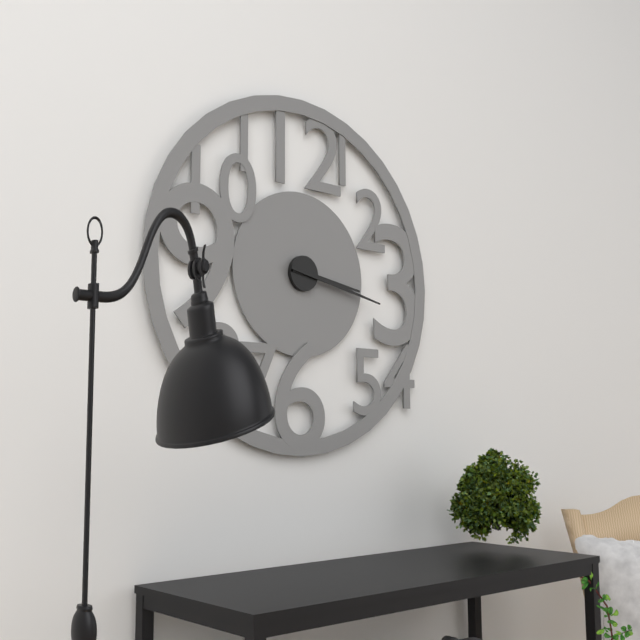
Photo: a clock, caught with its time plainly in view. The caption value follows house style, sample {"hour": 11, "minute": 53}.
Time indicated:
{"hour": 3, "minute": 17}
